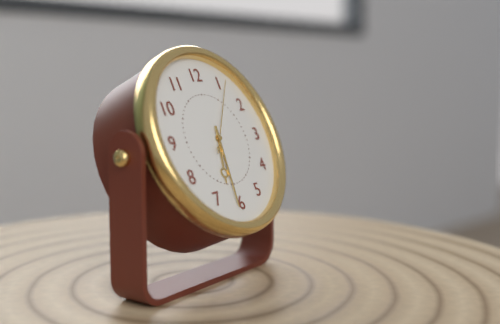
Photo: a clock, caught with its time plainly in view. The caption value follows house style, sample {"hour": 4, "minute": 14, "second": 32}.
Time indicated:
{"hour": 6, "minute": 31, "second": 6}
